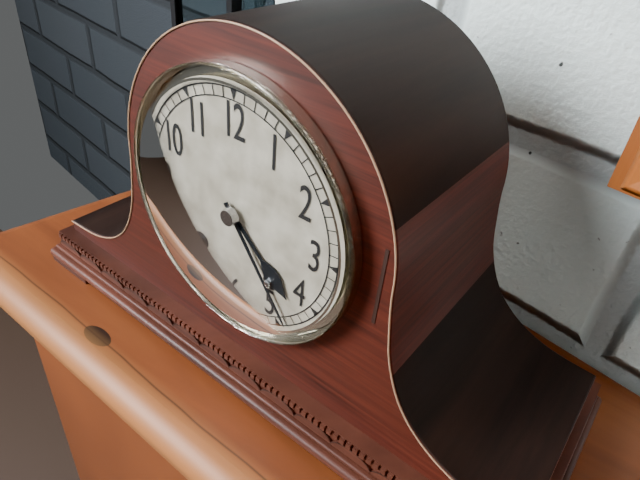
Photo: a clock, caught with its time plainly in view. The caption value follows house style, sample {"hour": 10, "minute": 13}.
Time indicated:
{"hour": 4, "minute": 24}
